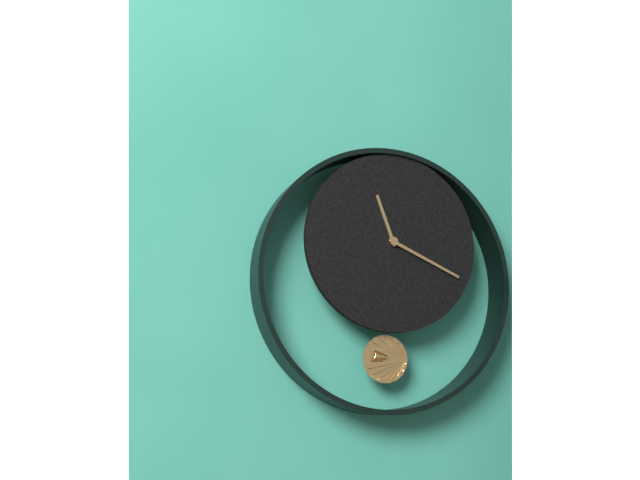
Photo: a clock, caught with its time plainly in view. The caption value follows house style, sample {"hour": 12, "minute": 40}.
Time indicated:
{"hour": 11, "minute": 19}
